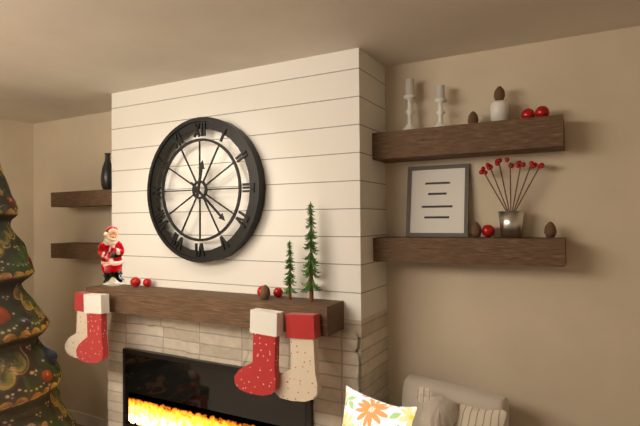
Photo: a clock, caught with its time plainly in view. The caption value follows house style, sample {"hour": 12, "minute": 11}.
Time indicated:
{"hour": 12, "minute": 22}
